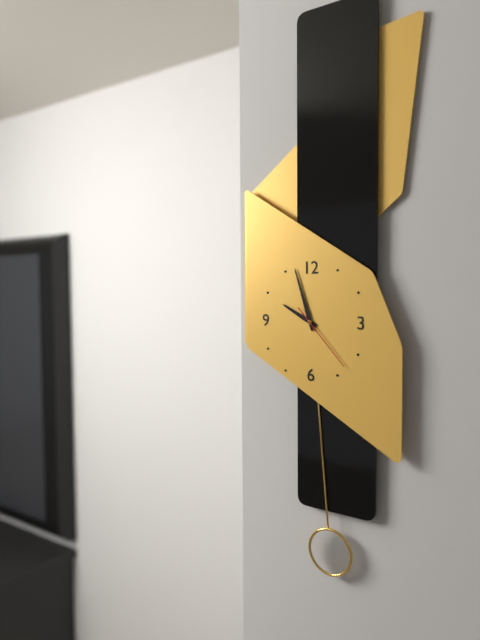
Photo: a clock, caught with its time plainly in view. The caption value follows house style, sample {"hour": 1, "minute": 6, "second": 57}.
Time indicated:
{"hour": 9, "minute": 57, "second": 23}
